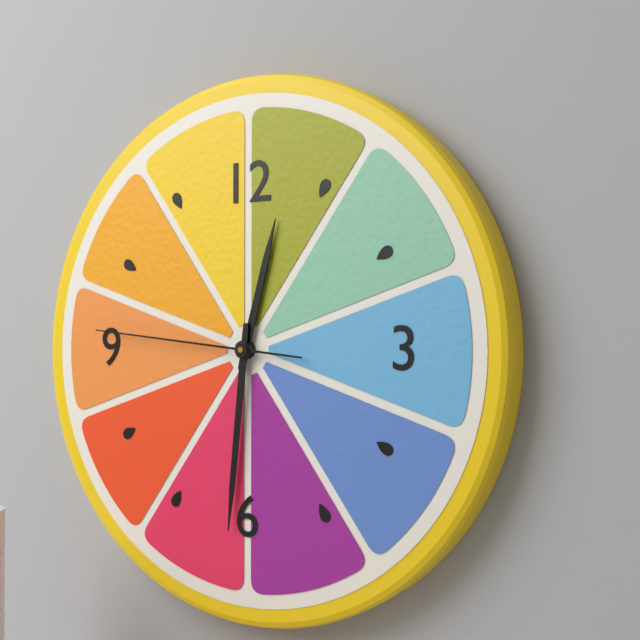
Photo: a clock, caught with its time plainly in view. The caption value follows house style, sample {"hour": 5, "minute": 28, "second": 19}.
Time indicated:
{"hour": 12, "minute": 31, "second": 46}
